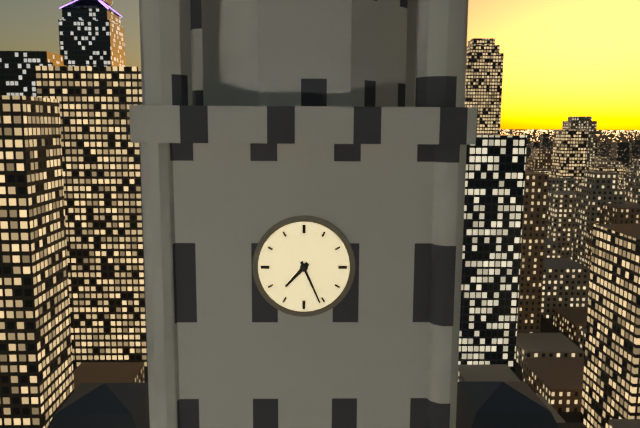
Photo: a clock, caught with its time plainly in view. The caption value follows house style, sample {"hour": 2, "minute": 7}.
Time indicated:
{"hour": 7, "minute": 26}
